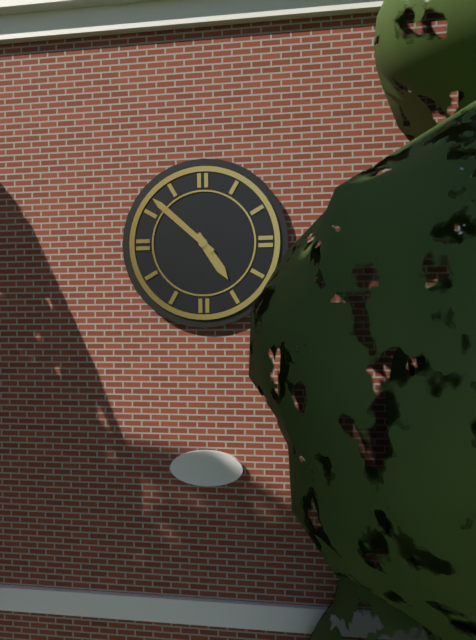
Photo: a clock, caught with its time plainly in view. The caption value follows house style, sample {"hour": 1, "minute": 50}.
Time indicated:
{"hour": 4, "minute": 52}
